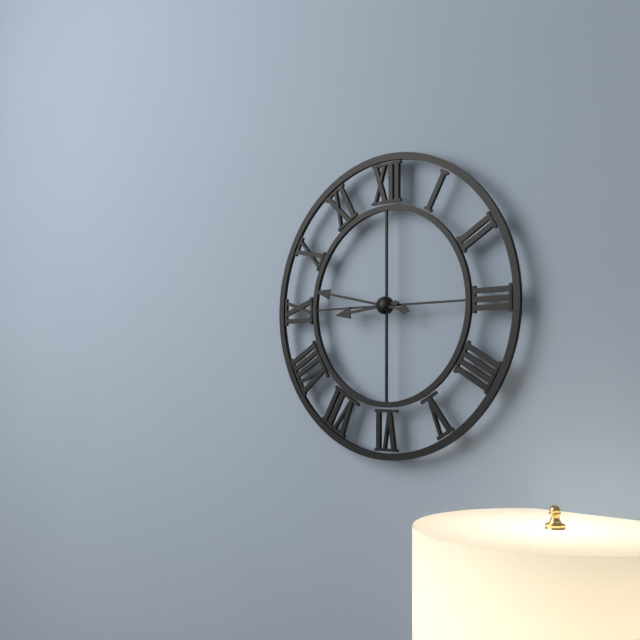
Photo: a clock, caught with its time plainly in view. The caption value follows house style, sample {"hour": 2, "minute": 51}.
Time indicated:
{"hour": 8, "minute": 47}
